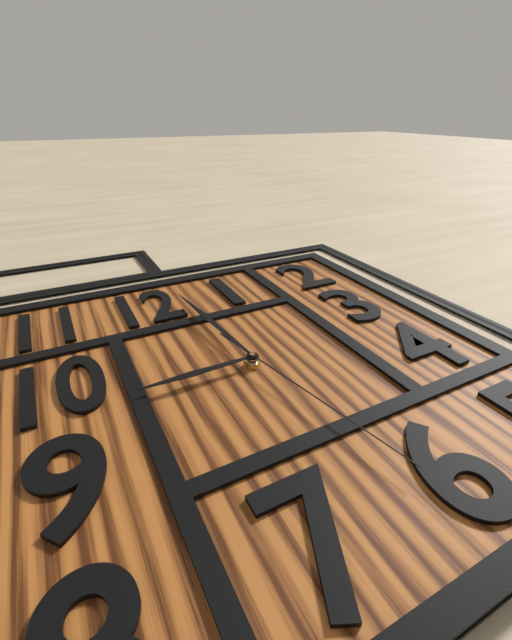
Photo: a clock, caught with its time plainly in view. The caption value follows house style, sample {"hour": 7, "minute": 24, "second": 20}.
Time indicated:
{"hour": 8, "minute": 59, "second": 28}
